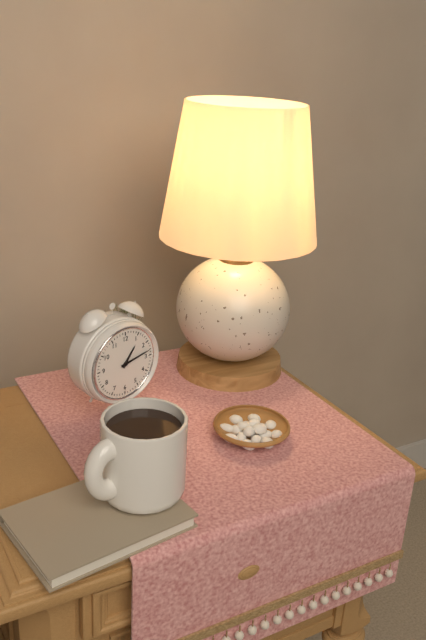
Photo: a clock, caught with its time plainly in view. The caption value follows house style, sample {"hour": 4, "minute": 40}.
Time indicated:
{"hour": 1, "minute": 13}
